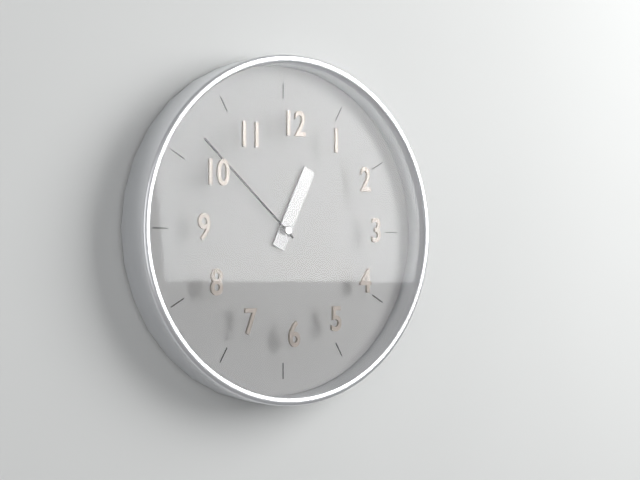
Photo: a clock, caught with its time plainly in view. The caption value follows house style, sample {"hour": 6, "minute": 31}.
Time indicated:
{"hour": 12, "minute": 52}
